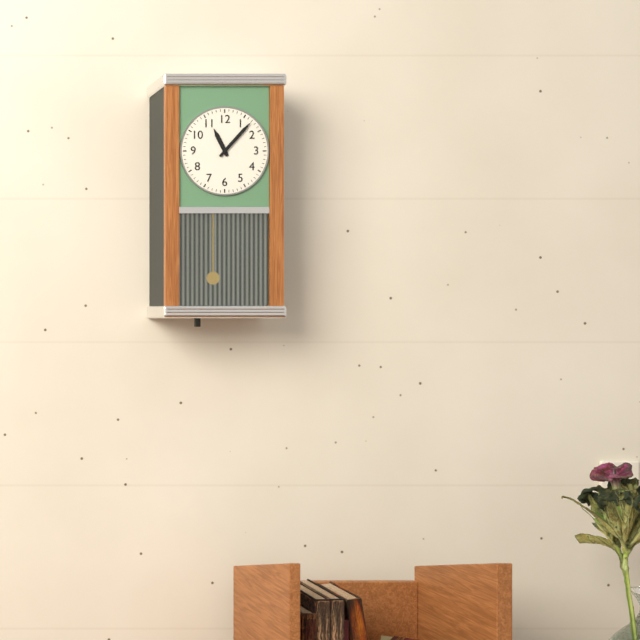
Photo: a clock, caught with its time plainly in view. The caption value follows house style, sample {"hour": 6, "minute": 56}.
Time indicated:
{"hour": 11, "minute": 7}
